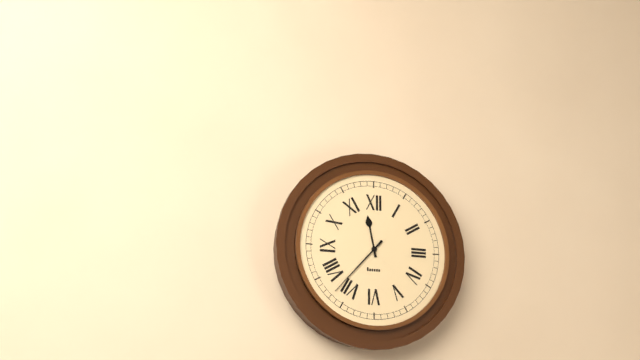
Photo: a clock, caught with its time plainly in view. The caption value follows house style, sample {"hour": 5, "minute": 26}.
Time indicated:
{"hour": 11, "minute": 37}
